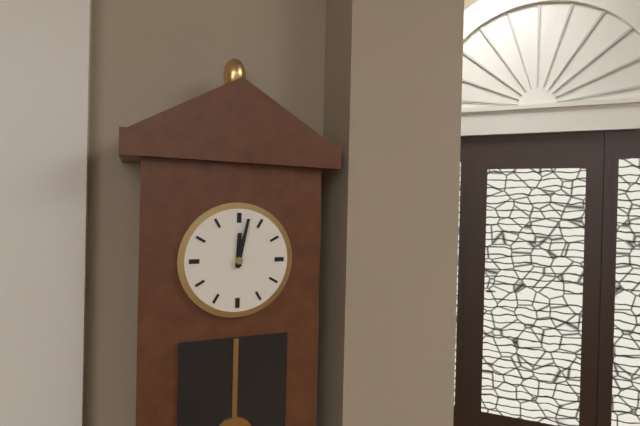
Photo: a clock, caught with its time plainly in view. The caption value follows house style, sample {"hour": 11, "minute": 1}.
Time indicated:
{"hour": 12, "minute": 2}
